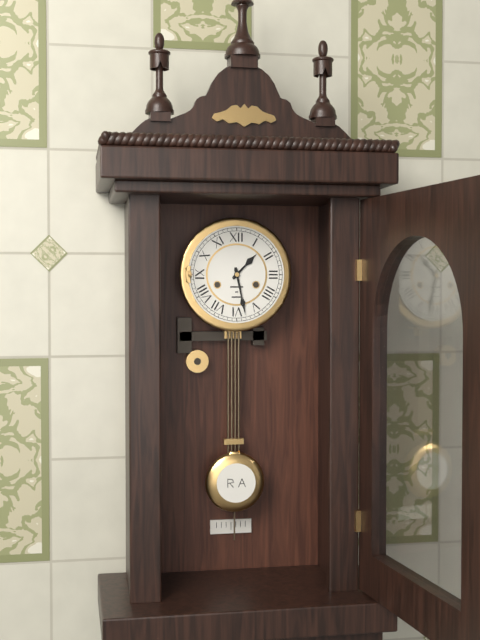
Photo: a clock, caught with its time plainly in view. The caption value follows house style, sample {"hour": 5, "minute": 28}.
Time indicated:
{"hour": 1, "minute": 28}
